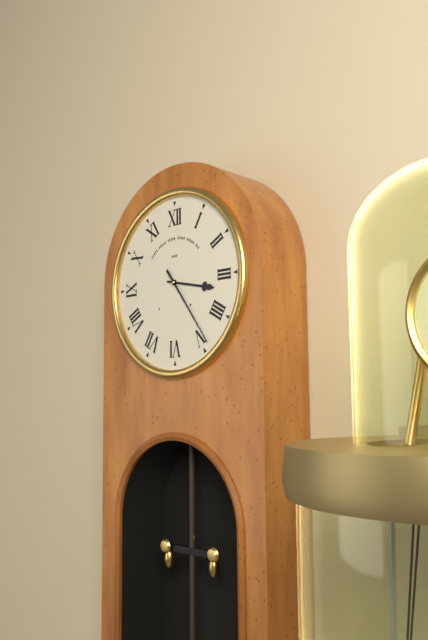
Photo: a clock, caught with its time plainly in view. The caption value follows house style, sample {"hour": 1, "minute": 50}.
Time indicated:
{"hour": 3, "minute": 24}
